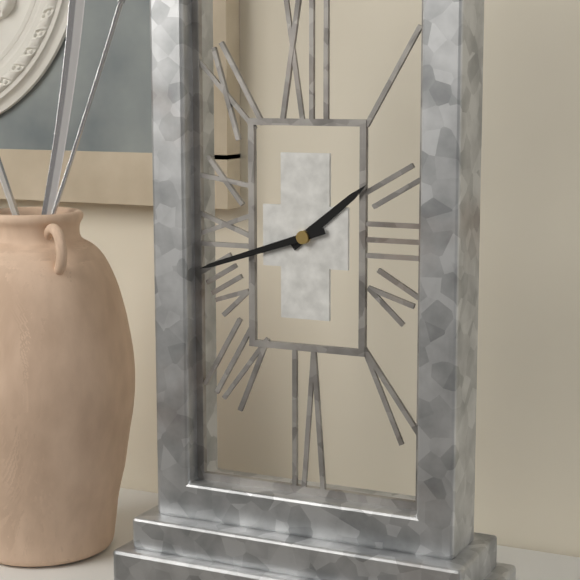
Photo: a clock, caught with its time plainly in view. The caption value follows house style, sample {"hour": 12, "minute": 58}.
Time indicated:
{"hour": 1, "minute": 42}
